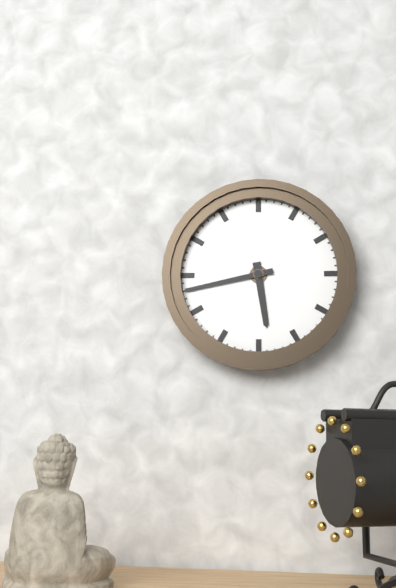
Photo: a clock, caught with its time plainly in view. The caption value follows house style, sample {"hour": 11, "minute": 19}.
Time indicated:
{"hour": 5, "minute": 43}
